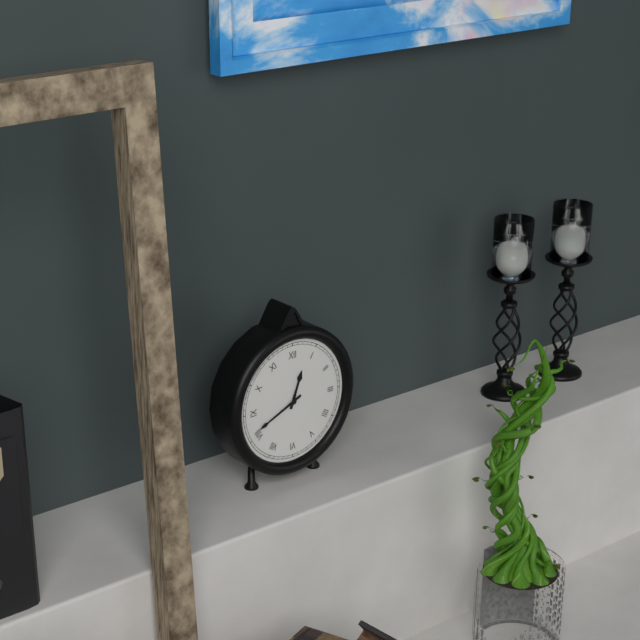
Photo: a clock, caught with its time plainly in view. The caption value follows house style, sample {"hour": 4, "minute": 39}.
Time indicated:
{"hour": 12, "minute": 41}
